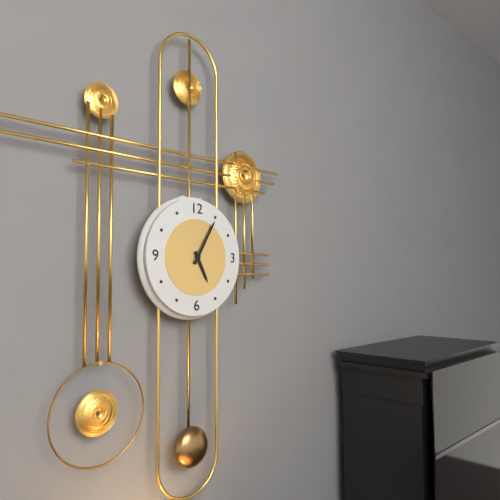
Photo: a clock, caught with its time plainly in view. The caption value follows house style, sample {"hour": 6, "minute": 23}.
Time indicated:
{"hour": 5, "minute": 5}
